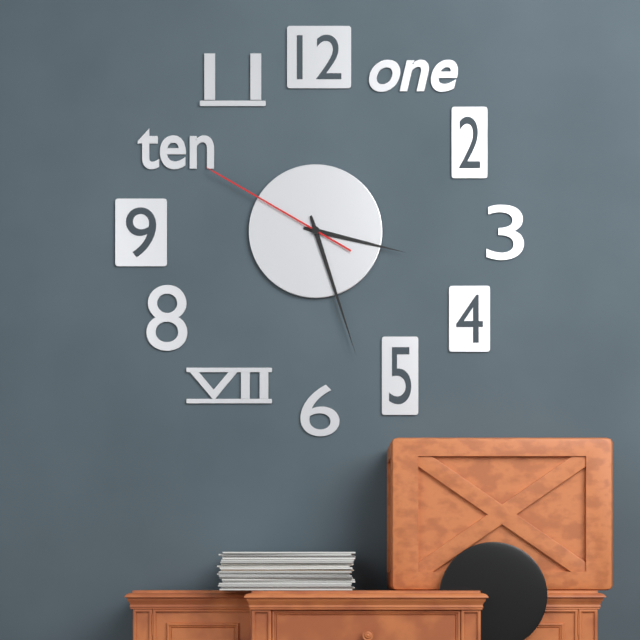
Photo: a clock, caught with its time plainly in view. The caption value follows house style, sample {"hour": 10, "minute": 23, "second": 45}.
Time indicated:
{"hour": 3, "minute": 27, "second": 50}
